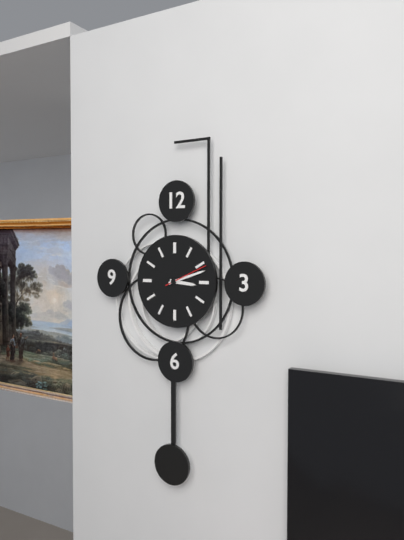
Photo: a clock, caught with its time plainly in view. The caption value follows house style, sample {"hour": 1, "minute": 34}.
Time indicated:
{"hour": 3, "minute": 12}
